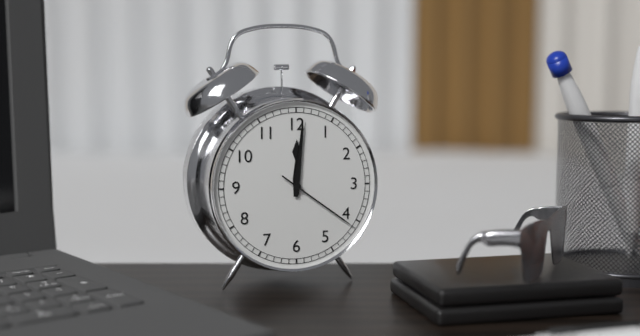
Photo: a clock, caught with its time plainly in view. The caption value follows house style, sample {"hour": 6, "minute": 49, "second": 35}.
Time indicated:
{"hour": 12, "minute": 1, "second": 21}
